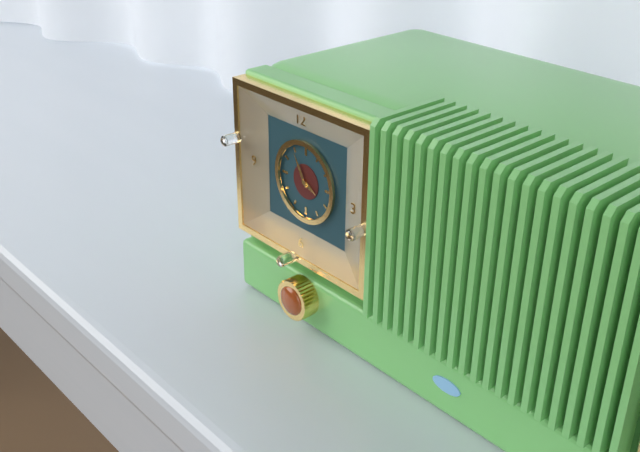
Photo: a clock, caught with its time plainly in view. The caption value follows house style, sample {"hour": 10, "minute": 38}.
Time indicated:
{"hour": 3, "minute": 55}
